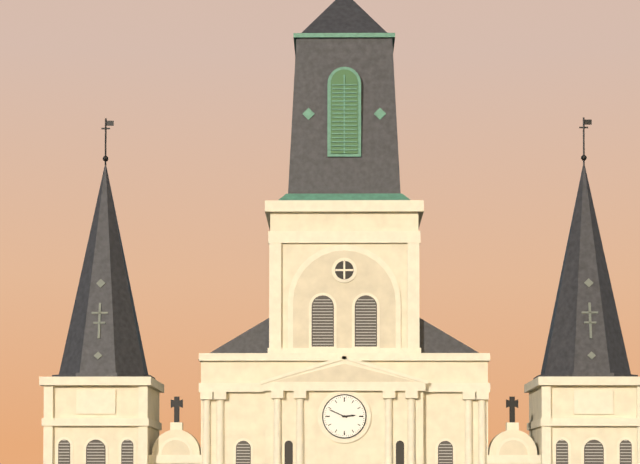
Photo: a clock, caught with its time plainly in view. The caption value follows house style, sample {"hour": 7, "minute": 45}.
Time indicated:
{"hour": 2, "minute": 49}
